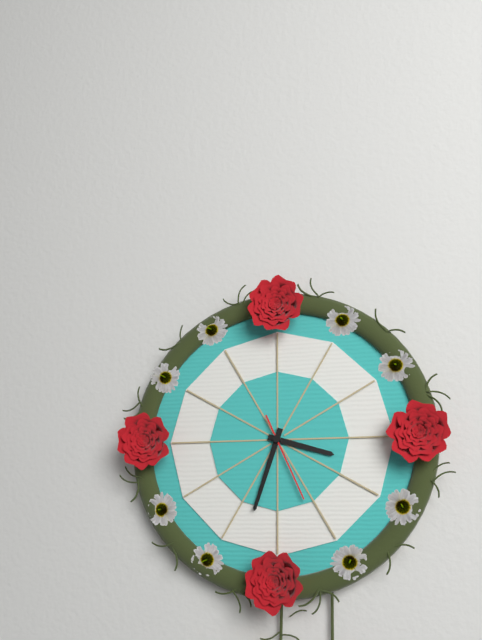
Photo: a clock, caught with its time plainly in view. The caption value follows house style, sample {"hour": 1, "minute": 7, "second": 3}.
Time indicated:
{"hour": 3, "minute": 33, "second": 26}
